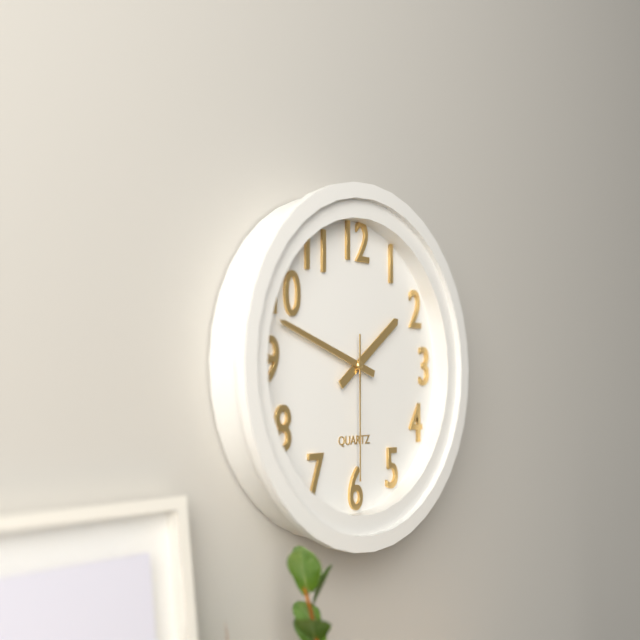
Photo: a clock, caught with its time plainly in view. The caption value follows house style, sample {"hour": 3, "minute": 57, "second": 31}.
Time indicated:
{"hour": 1, "minute": 48, "second": 30}
